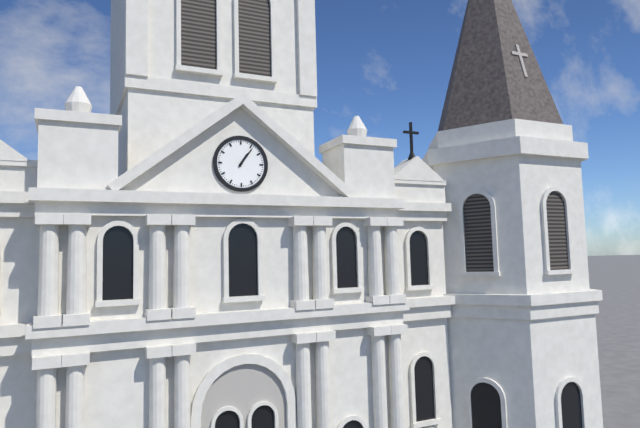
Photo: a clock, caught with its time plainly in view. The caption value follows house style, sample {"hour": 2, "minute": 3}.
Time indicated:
{"hour": 1, "minute": 6}
